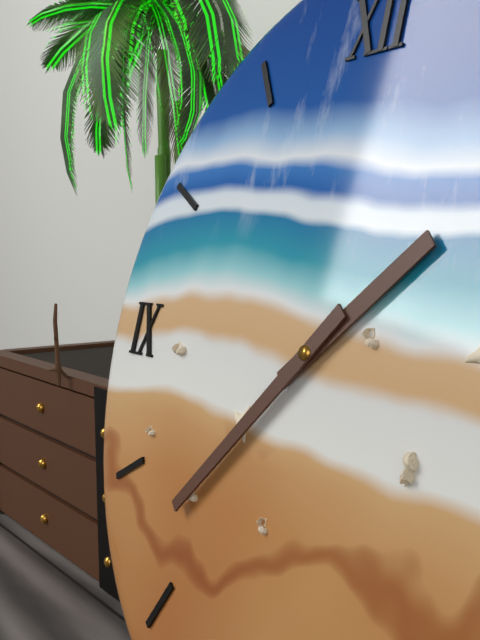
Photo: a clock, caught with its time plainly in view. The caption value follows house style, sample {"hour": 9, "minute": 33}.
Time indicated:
{"hour": 1, "minute": 37}
